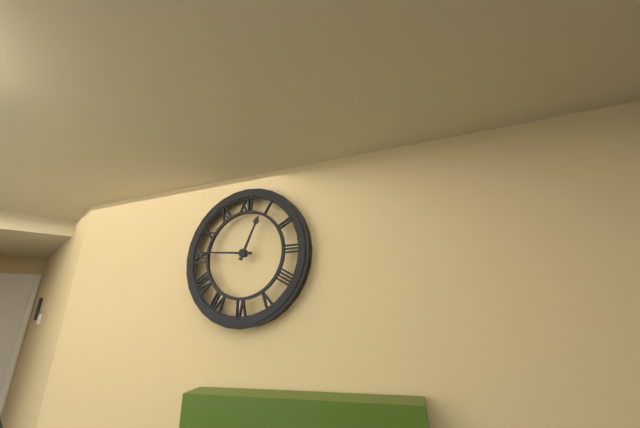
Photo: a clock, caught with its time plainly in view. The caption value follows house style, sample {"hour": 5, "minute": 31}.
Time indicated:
{"hour": 12, "minute": 46}
